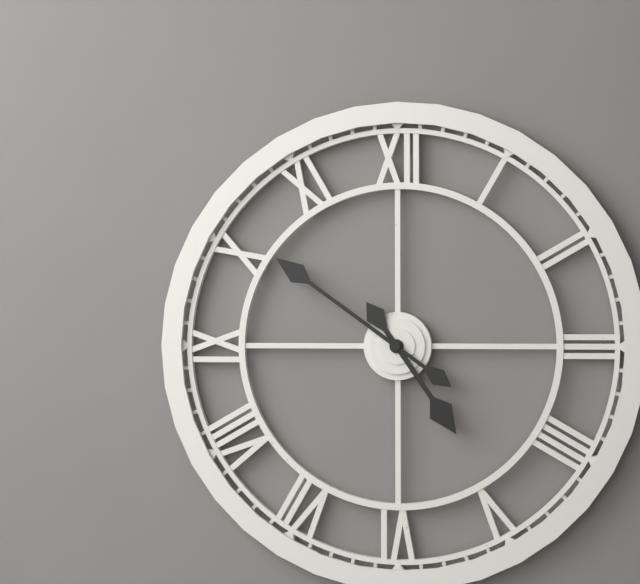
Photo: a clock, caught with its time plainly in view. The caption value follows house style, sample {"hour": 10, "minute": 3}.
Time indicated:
{"hour": 4, "minute": 51}
